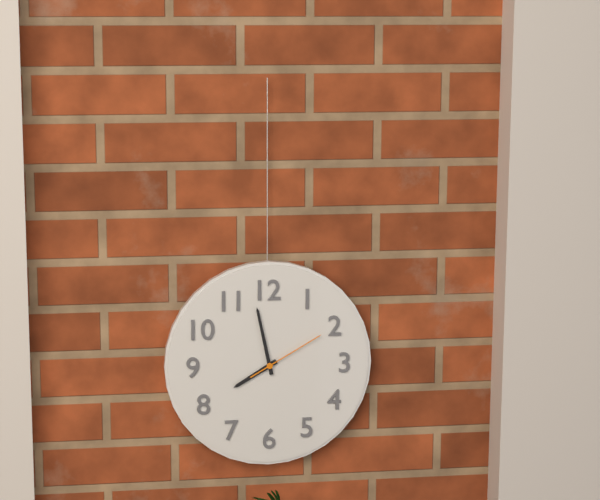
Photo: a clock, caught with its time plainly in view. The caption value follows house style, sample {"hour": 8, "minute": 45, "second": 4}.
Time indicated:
{"hour": 7, "minute": 58, "second": 10}
